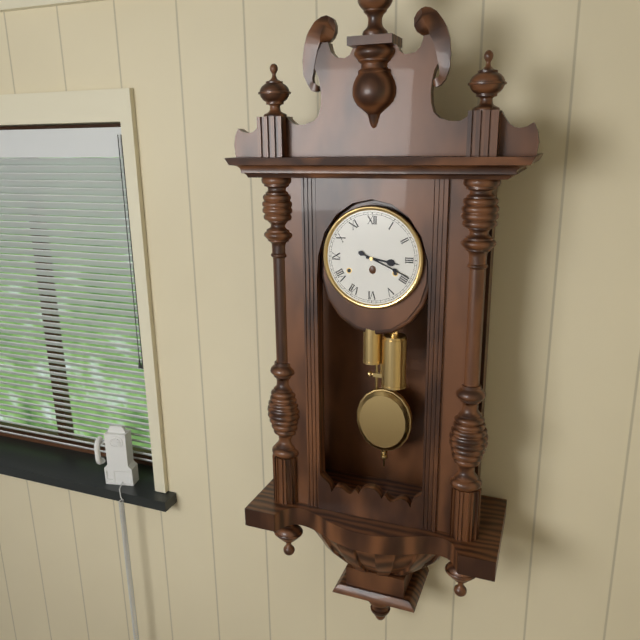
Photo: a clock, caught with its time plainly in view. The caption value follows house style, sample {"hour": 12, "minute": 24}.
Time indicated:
{"hour": 3, "minute": 19}
